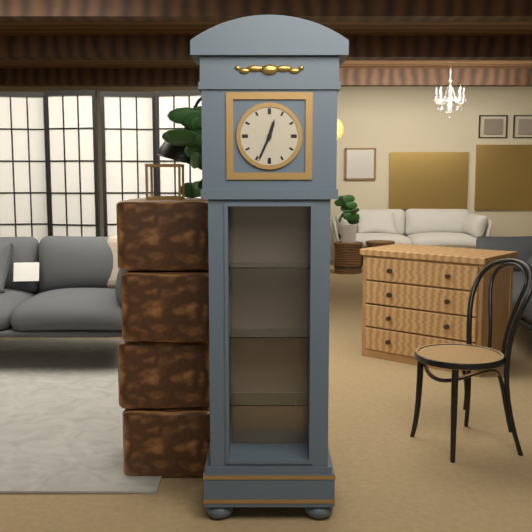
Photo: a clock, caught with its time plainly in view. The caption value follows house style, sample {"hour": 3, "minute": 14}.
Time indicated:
{"hour": 12, "minute": 34}
